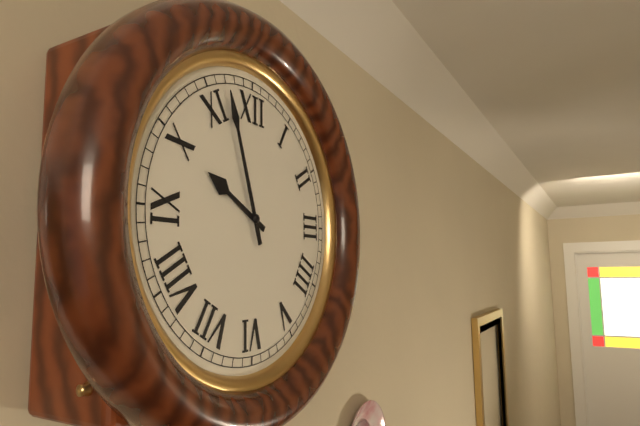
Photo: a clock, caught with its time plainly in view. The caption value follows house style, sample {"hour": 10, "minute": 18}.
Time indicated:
{"hour": 9, "minute": 57}
